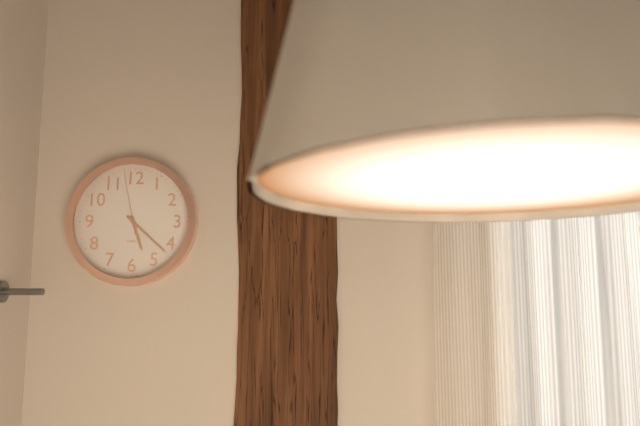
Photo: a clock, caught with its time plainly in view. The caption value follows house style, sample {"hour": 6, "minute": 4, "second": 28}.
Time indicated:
{"hour": 5, "minute": 22, "second": 58}
